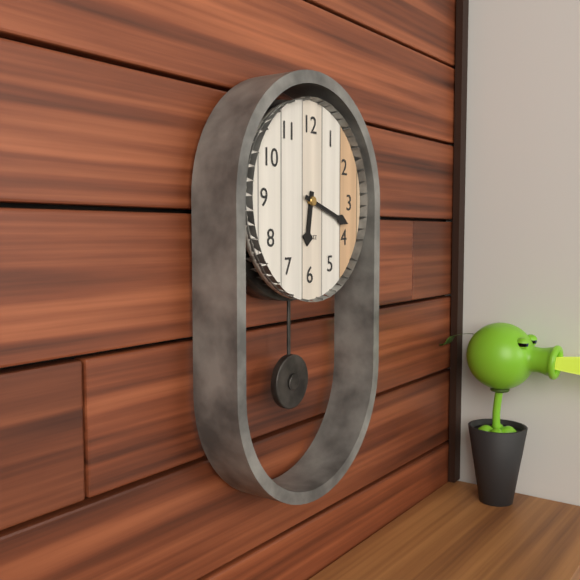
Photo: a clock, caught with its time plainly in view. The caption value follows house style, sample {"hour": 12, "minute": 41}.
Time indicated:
{"hour": 6, "minute": 18}
